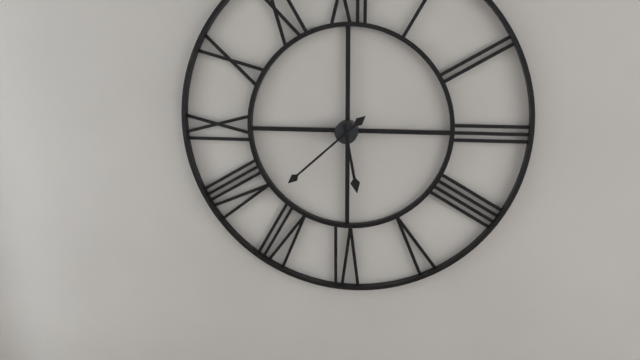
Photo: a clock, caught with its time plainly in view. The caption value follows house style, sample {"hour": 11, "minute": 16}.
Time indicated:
{"hour": 5, "minute": 38}
